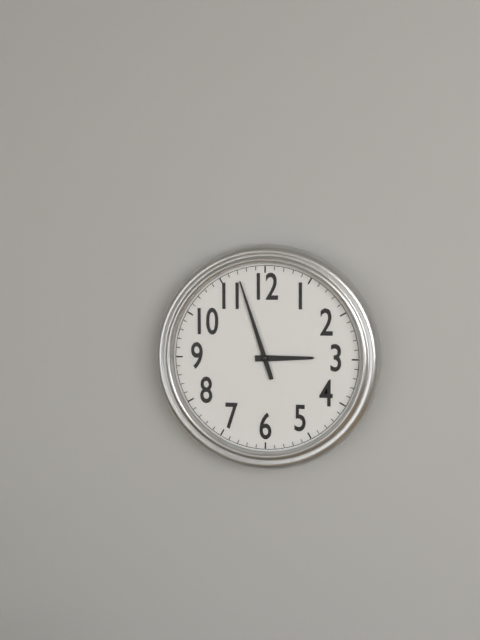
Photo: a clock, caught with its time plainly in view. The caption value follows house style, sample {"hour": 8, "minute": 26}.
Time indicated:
{"hour": 2, "minute": 57}
